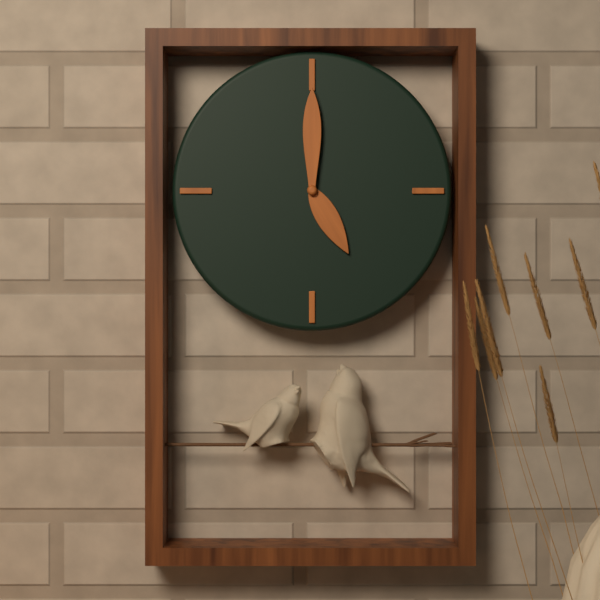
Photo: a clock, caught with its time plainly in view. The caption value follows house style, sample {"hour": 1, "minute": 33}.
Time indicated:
{"hour": 5, "minute": 0}
